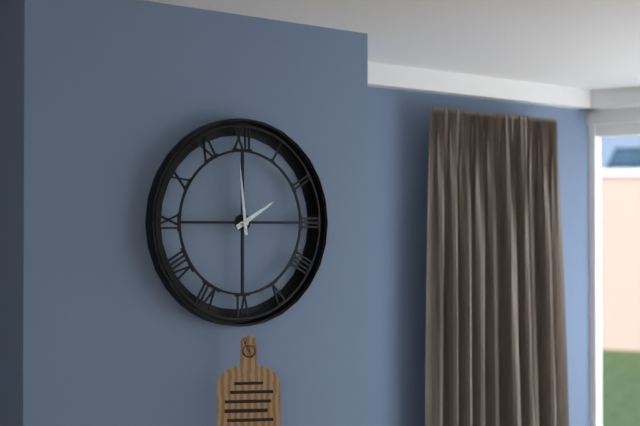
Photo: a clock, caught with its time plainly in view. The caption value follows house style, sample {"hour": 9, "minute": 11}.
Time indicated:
{"hour": 1, "minute": 59}
